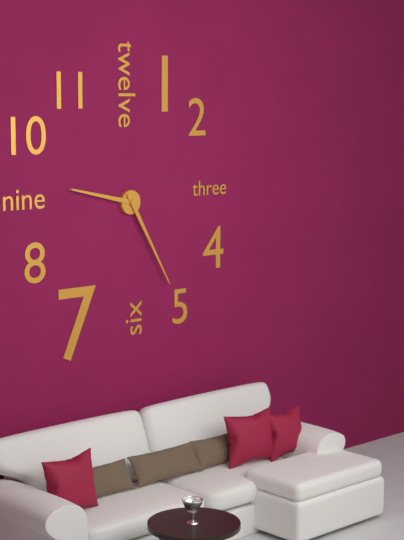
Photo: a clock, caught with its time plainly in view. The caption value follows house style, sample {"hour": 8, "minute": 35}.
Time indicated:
{"hour": 9, "minute": 25}
